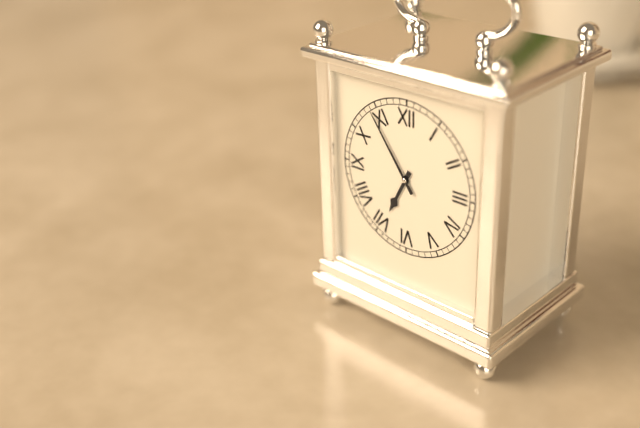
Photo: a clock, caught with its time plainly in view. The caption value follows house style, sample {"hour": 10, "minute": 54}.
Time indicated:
{"hour": 6, "minute": 54}
